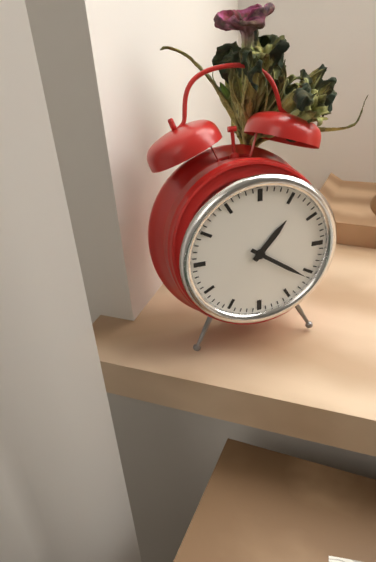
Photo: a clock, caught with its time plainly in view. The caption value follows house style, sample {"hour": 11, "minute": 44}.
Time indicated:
{"hour": 1, "minute": 21}
